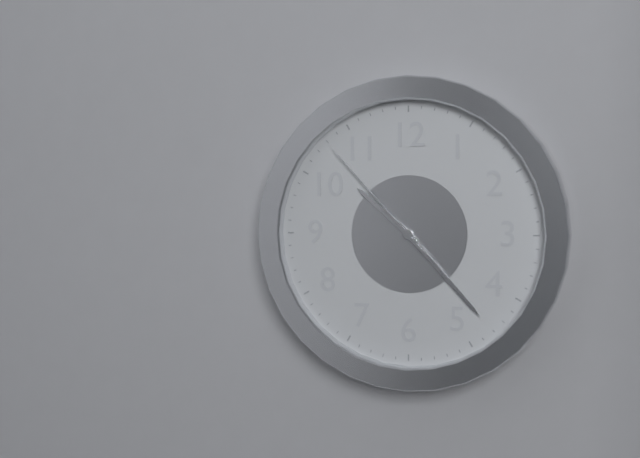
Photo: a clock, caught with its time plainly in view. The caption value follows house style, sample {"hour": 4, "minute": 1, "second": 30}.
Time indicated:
{"hour": 10, "minute": 23, "second": 53}
